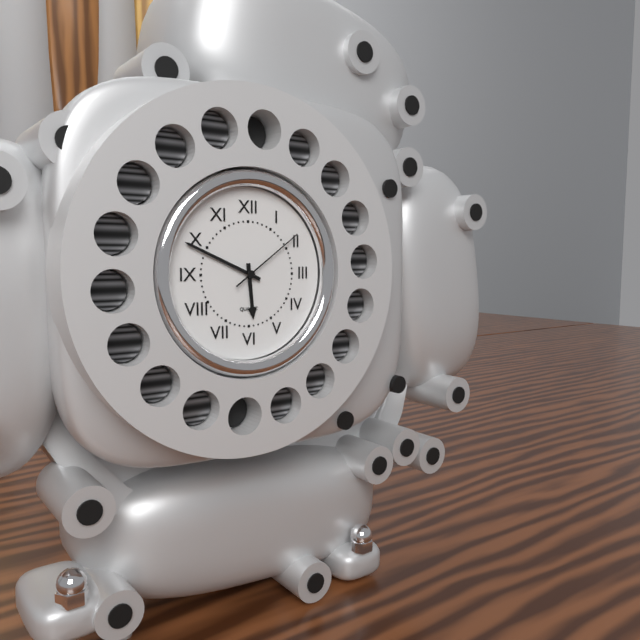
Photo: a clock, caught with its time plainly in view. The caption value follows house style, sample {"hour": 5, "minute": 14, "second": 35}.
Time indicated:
{"hour": 5, "minute": 49, "second": 9}
